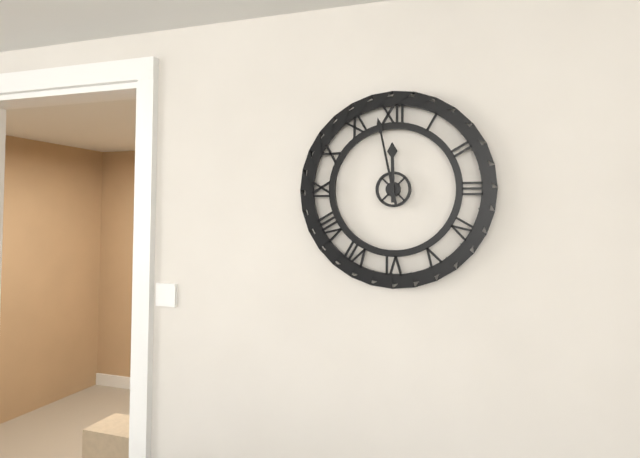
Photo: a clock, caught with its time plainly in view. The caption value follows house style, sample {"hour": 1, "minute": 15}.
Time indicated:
{"hour": 11, "minute": 58}
